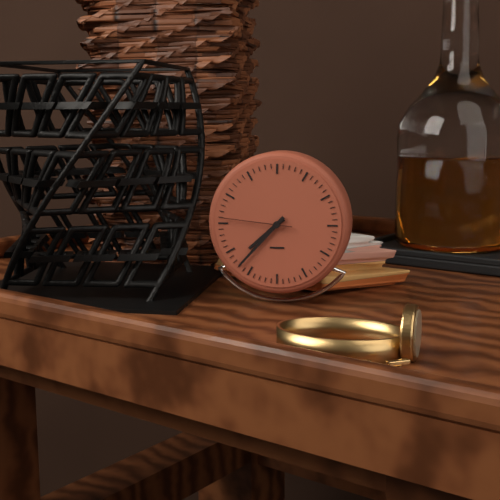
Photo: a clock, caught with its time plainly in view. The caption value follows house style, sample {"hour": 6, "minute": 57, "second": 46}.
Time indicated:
{"hour": 7, "minute": 37, "second": 46}
